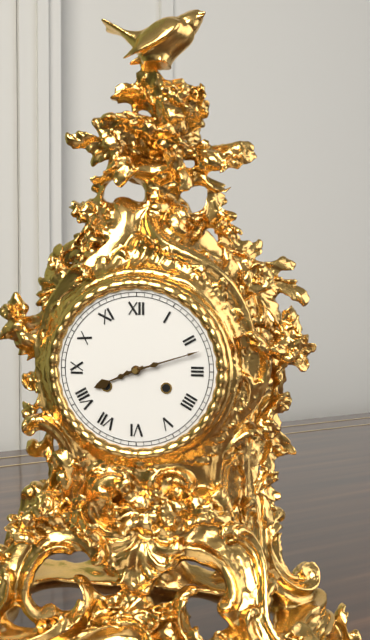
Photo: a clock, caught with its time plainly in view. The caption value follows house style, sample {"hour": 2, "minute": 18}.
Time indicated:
{"hour": 8, "minute": 12}
